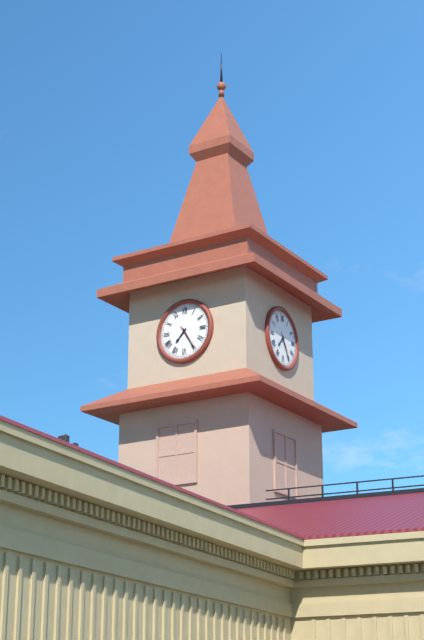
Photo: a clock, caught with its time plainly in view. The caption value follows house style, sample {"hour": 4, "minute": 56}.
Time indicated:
{"hour": 7, "minute": 25}
